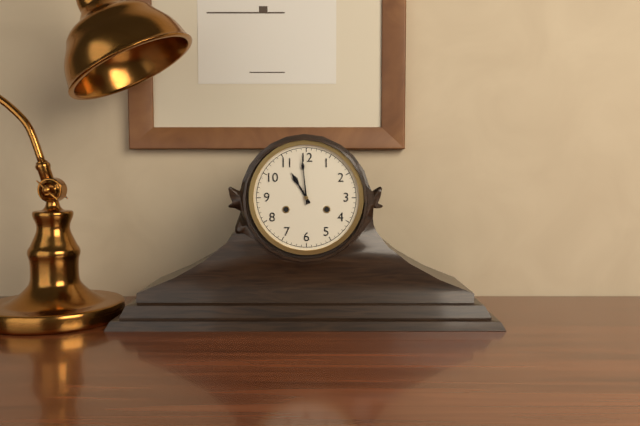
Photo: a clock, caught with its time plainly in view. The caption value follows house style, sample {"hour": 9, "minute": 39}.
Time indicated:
{"hour": 10, "minute": 59}
